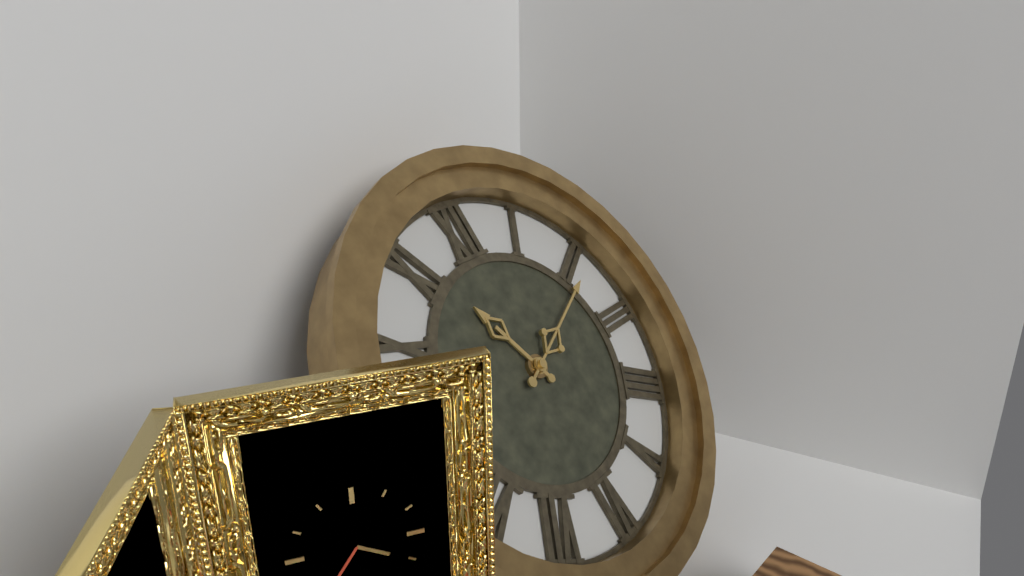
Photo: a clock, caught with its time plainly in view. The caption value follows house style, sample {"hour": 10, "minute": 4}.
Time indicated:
{"hour": 11, "minute": 11}
